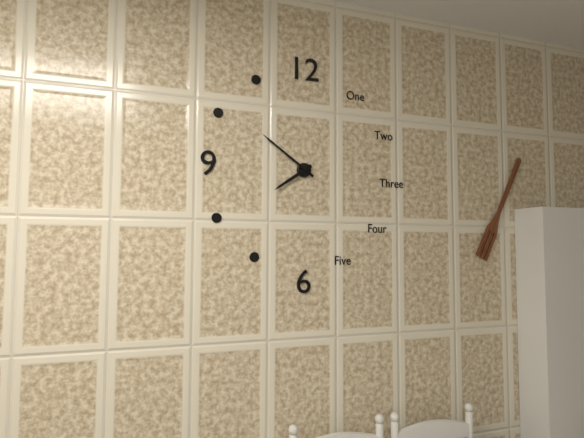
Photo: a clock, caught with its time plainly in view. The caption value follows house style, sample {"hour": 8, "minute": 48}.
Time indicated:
{"hour": 7, "minute": 51}
